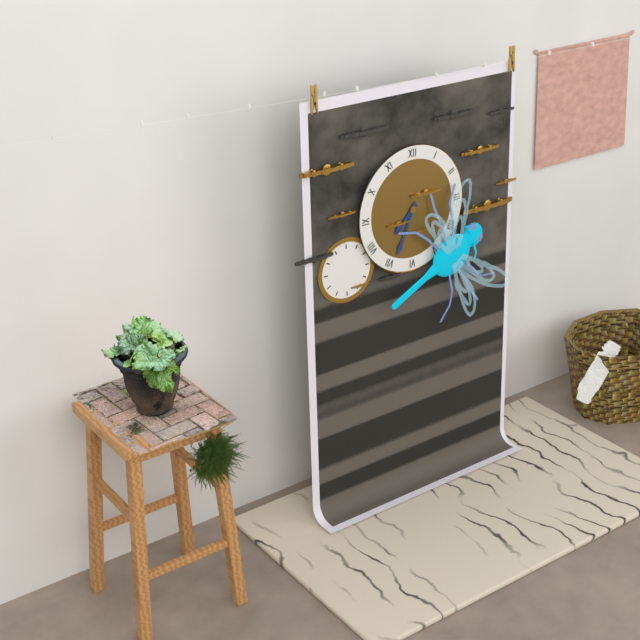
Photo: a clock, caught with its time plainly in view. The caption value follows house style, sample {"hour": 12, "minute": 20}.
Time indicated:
{"hour": 7, "minute": 34}
